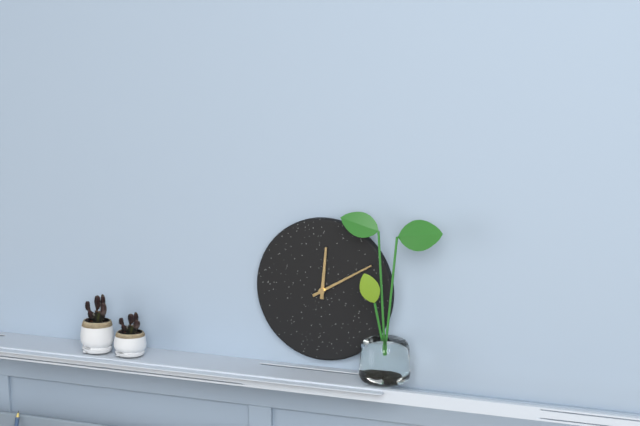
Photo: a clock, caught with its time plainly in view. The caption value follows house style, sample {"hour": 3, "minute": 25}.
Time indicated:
{"hour": 12, "minute": 10}
